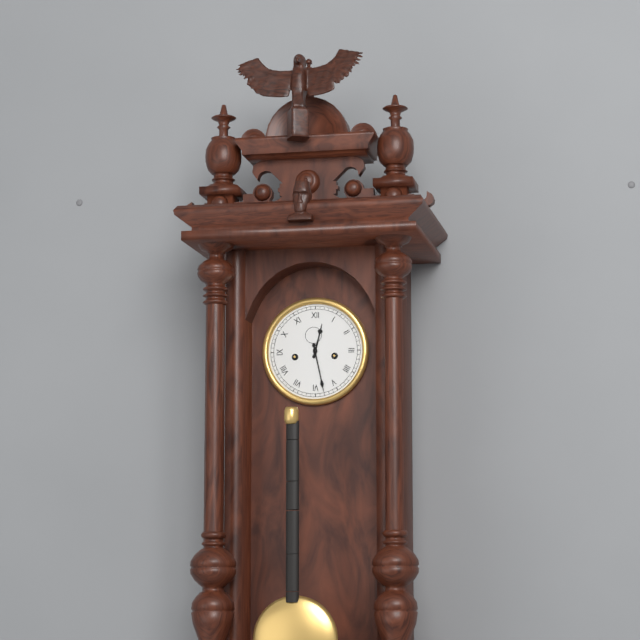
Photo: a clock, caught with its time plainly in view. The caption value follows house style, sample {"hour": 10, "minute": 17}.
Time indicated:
{"hour": 12, "minute": 28}
